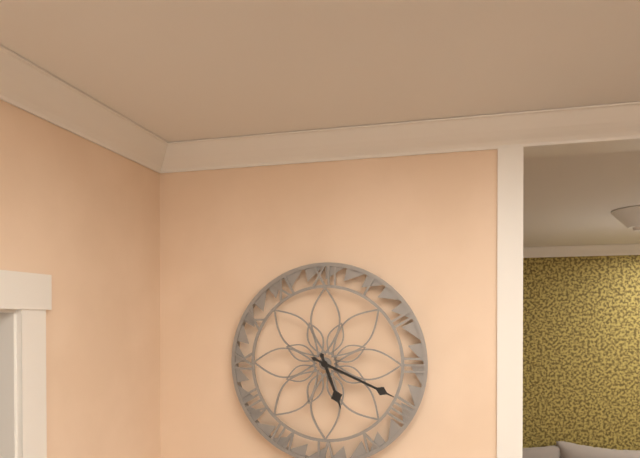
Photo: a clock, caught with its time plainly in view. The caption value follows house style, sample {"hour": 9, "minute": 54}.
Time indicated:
{"hour": 5, "minute": 19}
